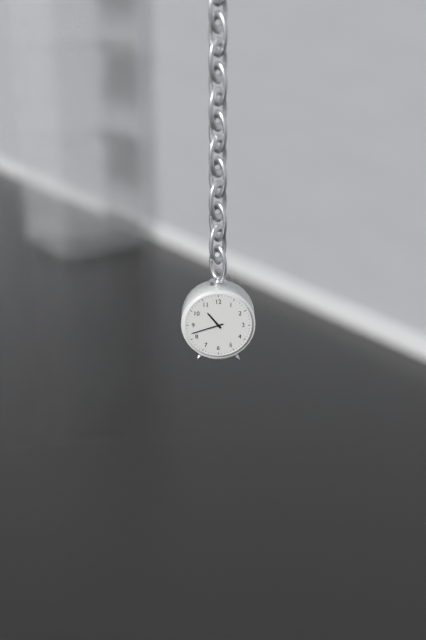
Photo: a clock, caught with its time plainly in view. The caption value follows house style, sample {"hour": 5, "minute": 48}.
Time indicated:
{"hour": 10, "minute": 42}
